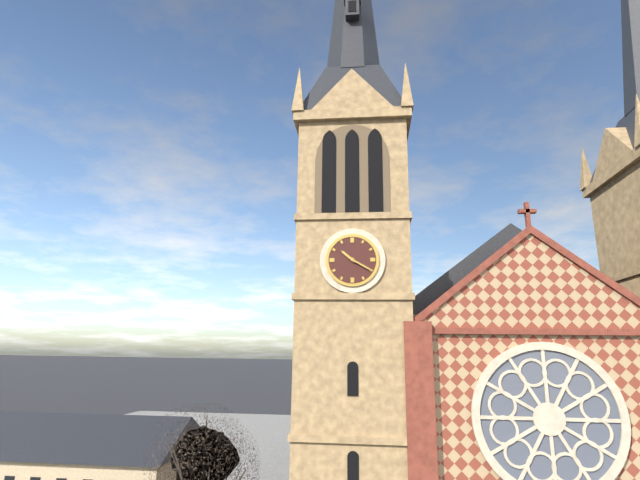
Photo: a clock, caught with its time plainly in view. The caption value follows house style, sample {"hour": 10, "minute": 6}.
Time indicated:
{"hour": 10, "minute": 20}
